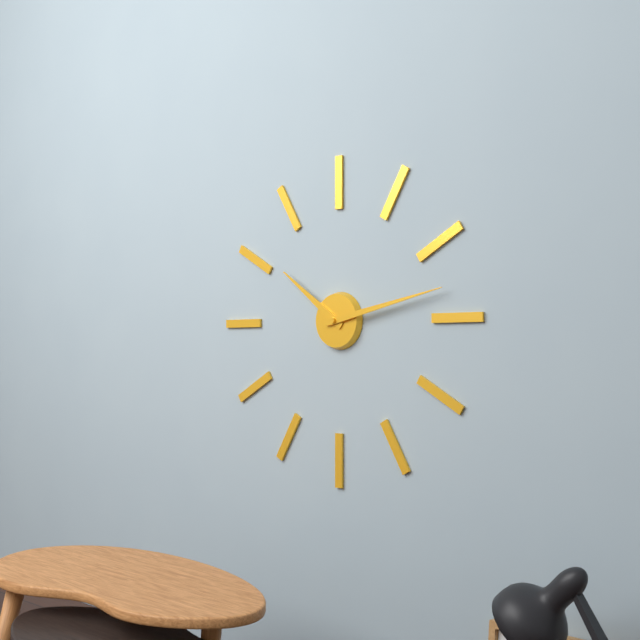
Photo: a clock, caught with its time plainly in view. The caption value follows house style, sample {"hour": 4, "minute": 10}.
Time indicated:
{"hour": 10, "minute": 13}
